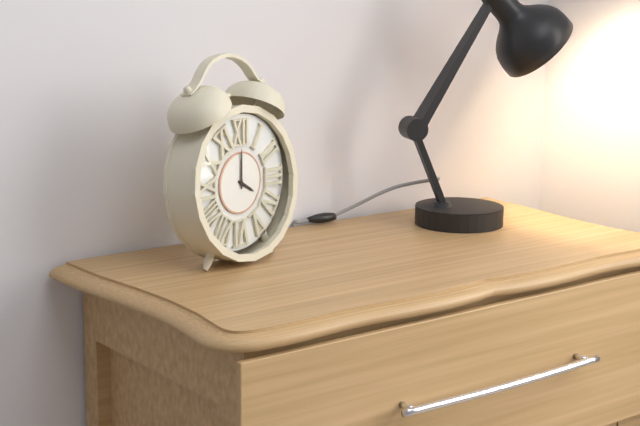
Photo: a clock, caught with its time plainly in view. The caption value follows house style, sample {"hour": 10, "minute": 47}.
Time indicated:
{"hour": 4, "minute": 0}
